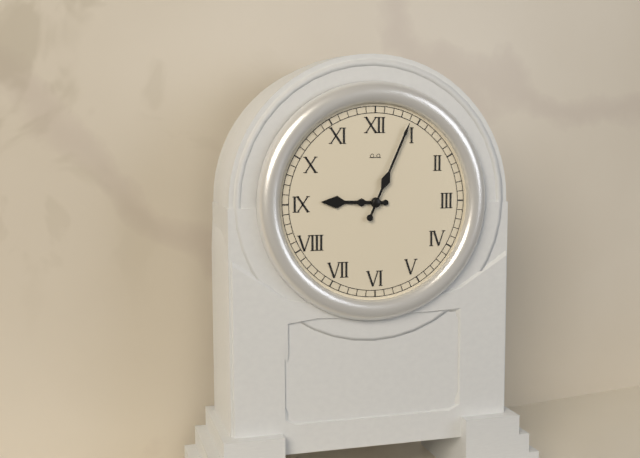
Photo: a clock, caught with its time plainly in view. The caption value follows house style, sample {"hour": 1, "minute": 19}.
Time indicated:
{"hour": 9, "minute": 4}
